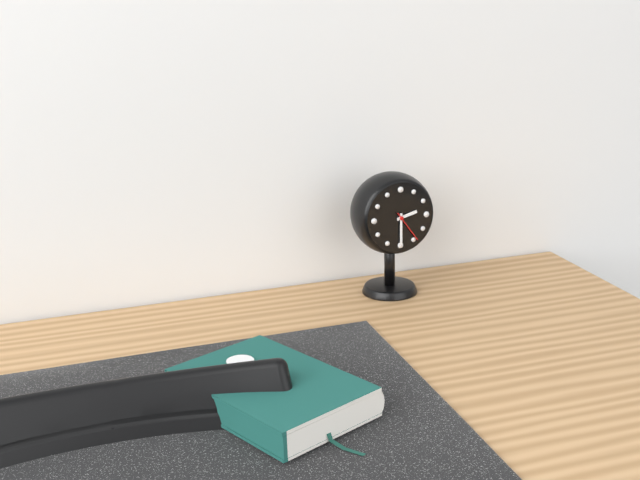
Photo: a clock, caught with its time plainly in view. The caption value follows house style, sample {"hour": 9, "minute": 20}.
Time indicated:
{"hour": 2, "minute": 30}
